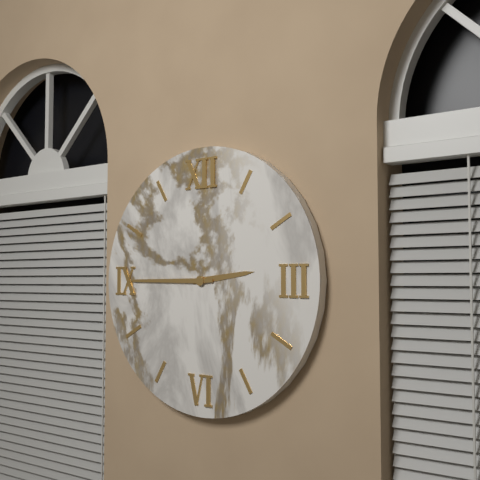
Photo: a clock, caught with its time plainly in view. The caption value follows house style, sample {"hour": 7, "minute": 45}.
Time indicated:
{"hour": 2, "minute": 45}
